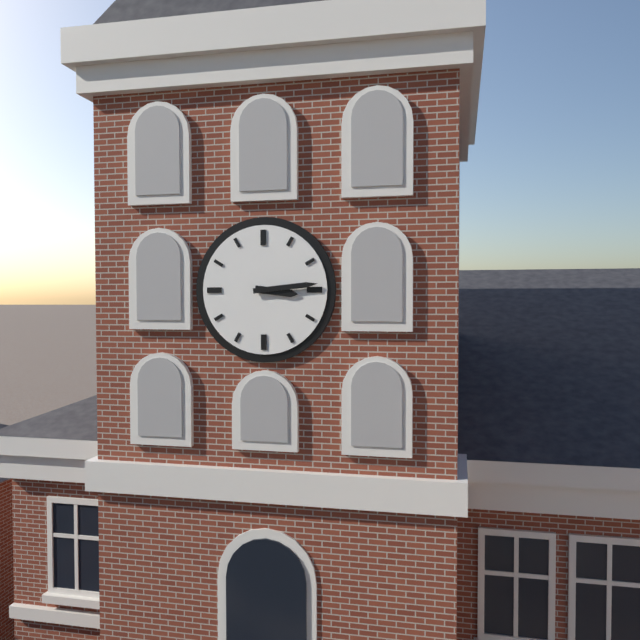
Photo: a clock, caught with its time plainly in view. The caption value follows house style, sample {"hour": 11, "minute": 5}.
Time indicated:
{"hour": 3, "minute": 14}
